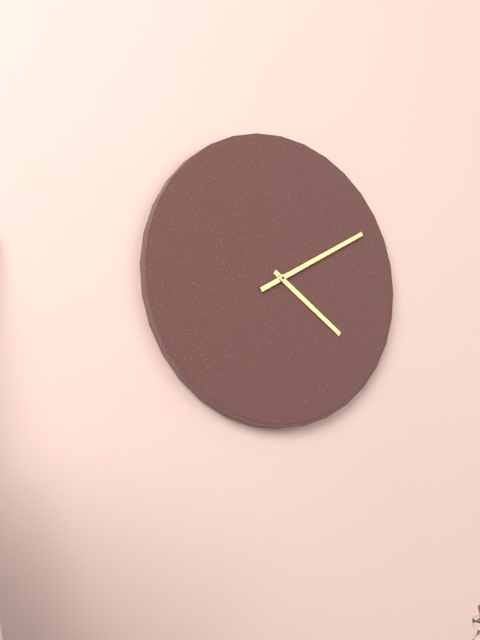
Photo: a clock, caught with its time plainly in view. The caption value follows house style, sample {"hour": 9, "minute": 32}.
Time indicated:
{"hour": 4, "minute": 10}
